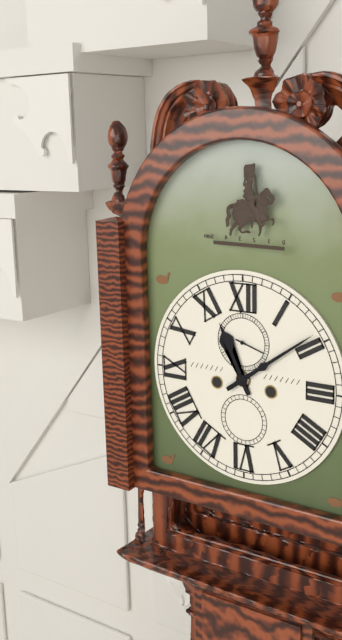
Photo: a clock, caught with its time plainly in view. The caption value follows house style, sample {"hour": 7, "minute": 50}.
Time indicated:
{"hour": 11, "minute": 9}
